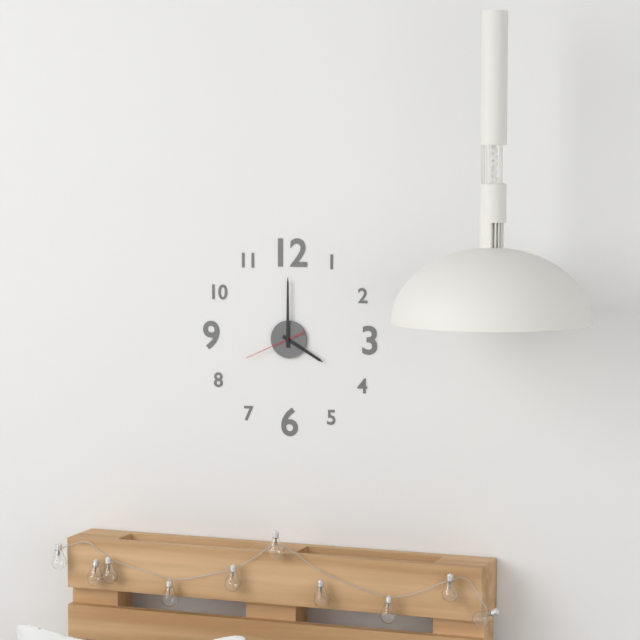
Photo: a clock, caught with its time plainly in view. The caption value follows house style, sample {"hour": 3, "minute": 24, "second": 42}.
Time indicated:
{"hour": 4, "minute": 0, "second": 41}
